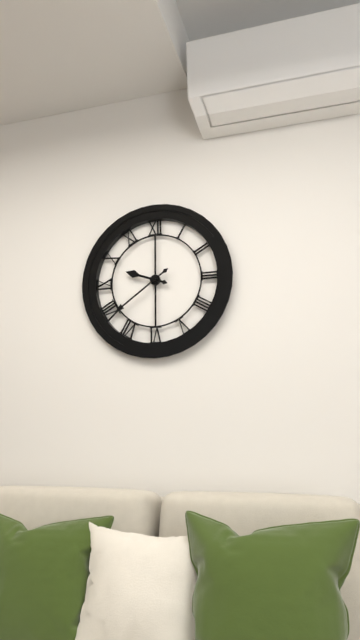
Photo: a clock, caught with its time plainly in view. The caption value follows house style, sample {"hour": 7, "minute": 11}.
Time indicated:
{"hour": 9, "minute": 39}
